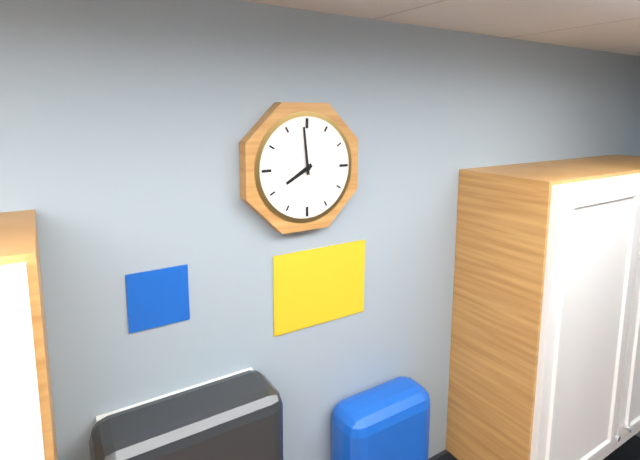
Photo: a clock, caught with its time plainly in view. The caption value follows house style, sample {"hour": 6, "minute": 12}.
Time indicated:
{"hour": 7, "minute": 59}
